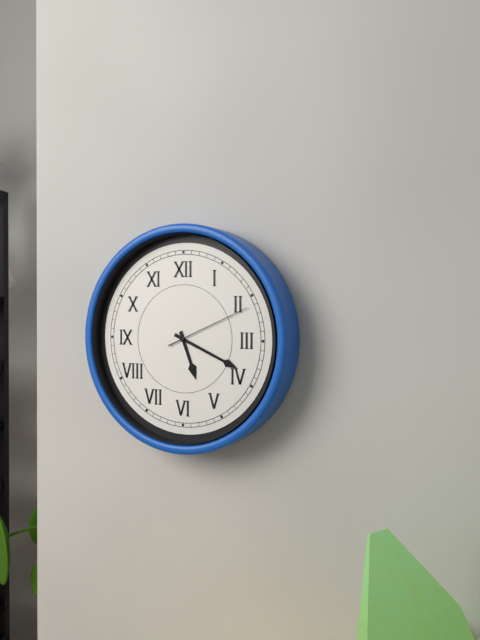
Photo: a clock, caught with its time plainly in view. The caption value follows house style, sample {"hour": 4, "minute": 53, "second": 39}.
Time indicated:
{"hour": 5, "minute": 19, "second": 11}
